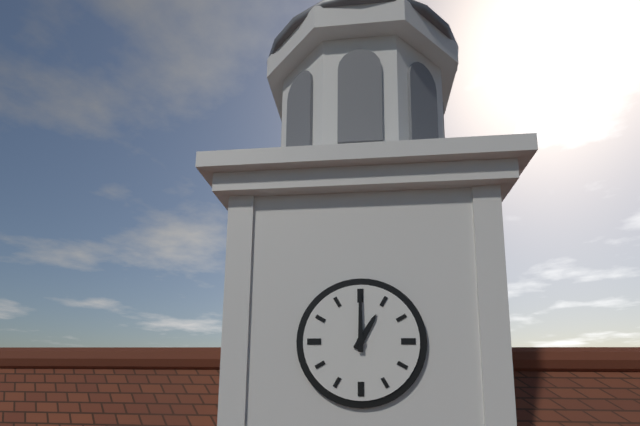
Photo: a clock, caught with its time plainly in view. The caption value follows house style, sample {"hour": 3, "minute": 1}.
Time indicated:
{"hour": 1, "minute": 0}
